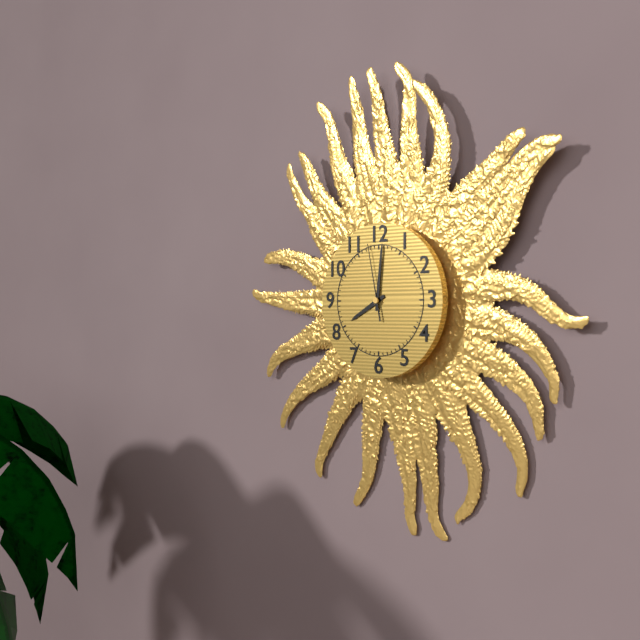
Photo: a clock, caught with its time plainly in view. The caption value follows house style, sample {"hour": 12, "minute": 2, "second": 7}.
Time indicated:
{"hour": 8, "minute": 1, "second": 58}
